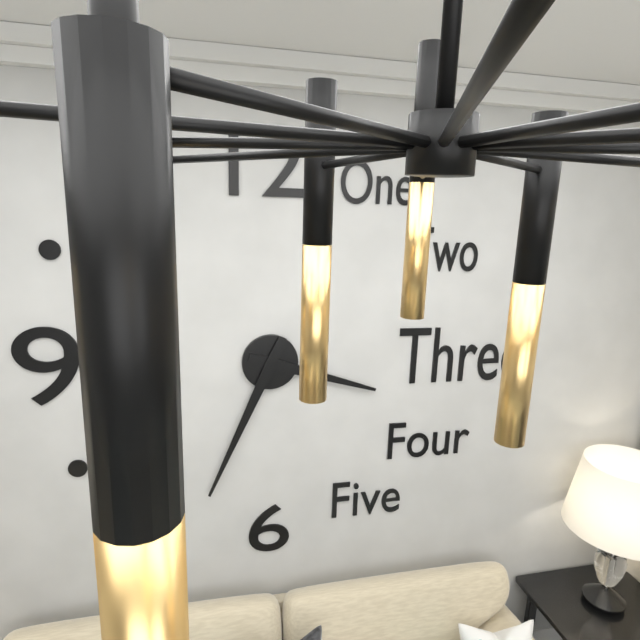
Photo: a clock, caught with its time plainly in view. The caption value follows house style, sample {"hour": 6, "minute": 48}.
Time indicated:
{"hour": 3, "minute": 34}
